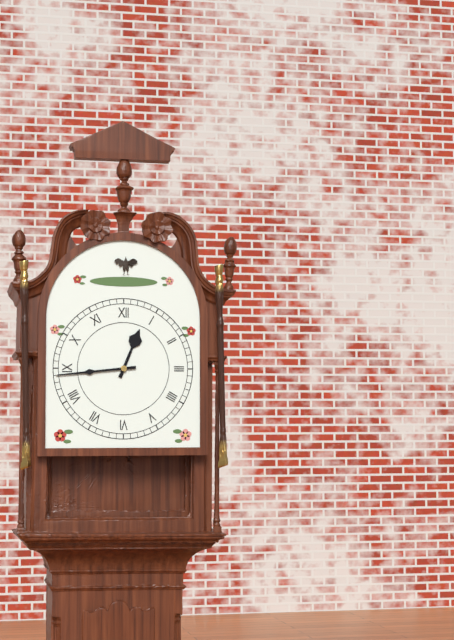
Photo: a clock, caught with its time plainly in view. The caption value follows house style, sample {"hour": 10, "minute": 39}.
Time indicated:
{"hour": 12, "minute": 44}
